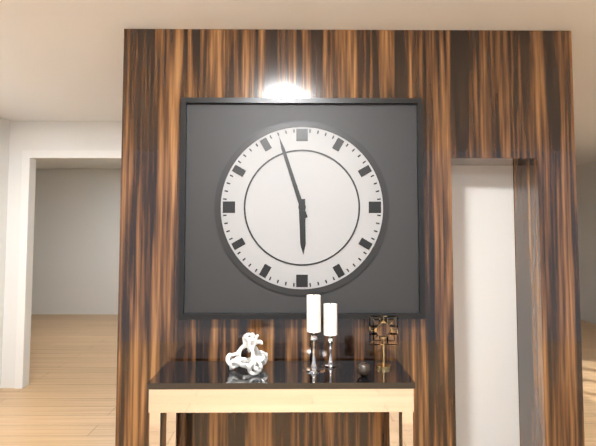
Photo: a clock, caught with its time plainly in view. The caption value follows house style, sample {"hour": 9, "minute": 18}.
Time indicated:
{"hour": 5, "minute": 57}
